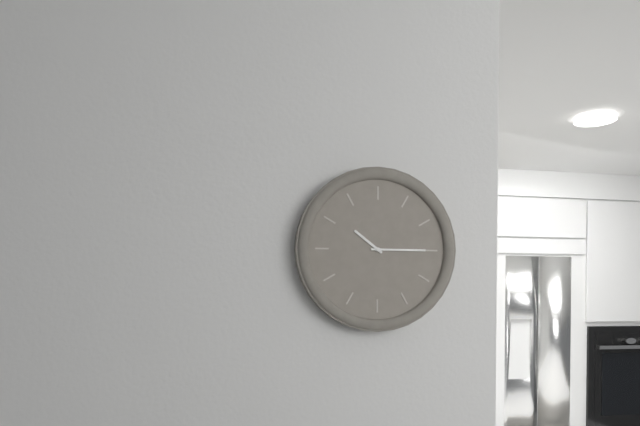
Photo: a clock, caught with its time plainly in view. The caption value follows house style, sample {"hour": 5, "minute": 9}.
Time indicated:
{"hour": 10, "minute": 15}
